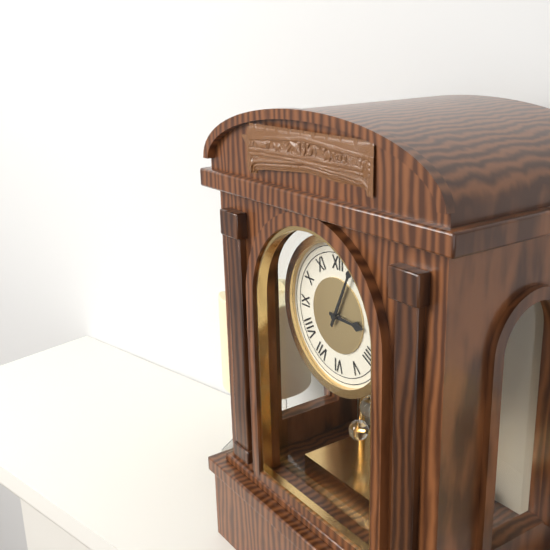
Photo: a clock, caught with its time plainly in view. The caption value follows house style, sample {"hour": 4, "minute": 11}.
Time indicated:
{"hour": 3, "minute": 4}
